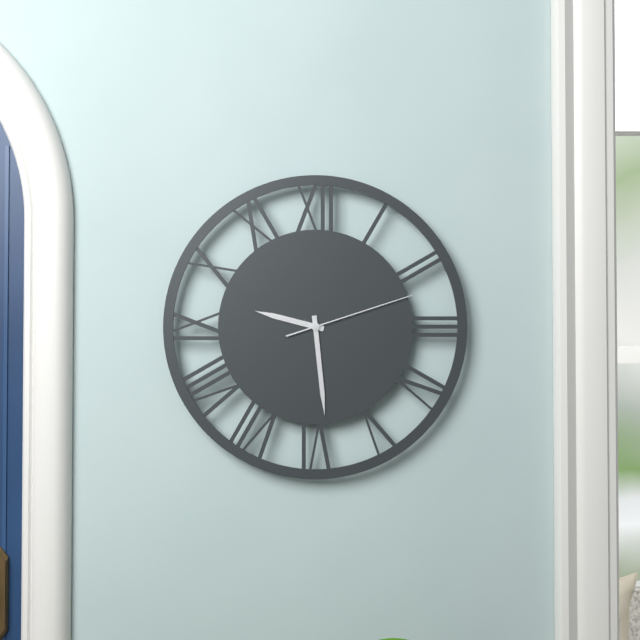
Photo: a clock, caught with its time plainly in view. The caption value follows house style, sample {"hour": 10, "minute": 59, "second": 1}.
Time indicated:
{"hour": 9, "minute": 29, "second": 12}
